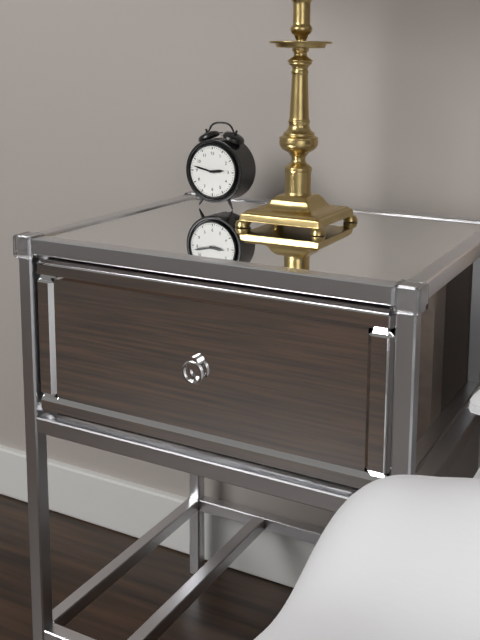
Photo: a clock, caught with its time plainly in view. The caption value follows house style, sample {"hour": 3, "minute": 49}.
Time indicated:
{"hour": 2, "minute": 47}
